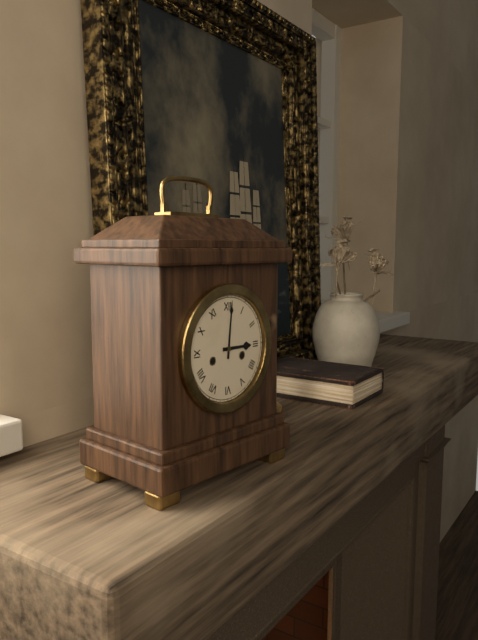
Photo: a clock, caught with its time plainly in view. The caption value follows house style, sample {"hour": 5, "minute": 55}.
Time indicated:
{"hour": 3, "minute": 1}
